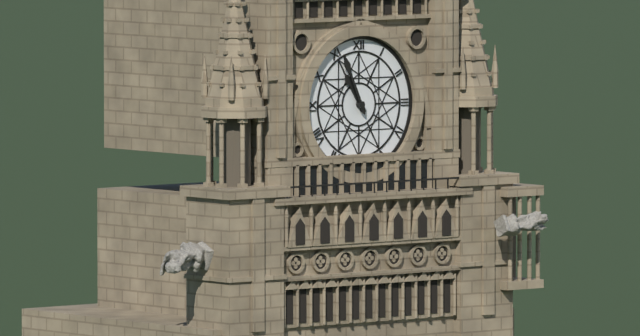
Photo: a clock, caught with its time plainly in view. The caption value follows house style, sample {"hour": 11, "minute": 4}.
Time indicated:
{"hour": 10, "minute": 56}
